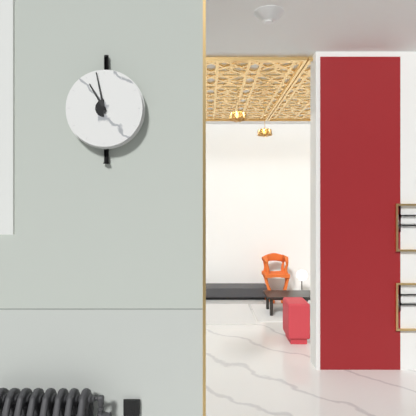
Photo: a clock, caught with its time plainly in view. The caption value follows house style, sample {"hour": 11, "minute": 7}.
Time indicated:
{"hour": 10, "minute": 58}
